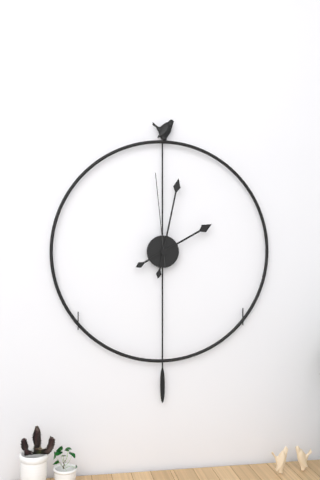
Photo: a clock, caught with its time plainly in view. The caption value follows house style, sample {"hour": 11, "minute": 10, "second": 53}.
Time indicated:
{"hour": 2, "minute": 2, "second": 59}
